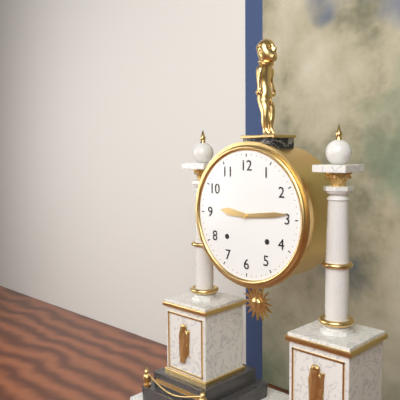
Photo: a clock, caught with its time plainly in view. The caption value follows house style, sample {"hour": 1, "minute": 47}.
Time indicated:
{"hour": 9, "minute": 14}
